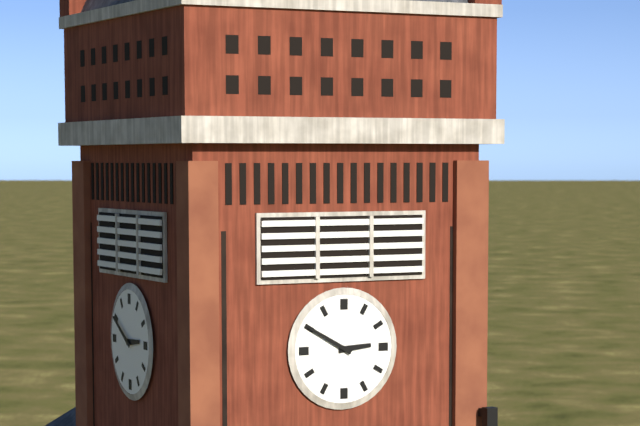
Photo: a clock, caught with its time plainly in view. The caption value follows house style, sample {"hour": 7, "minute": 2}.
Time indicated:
{"hour": 2, "minute": 50}
